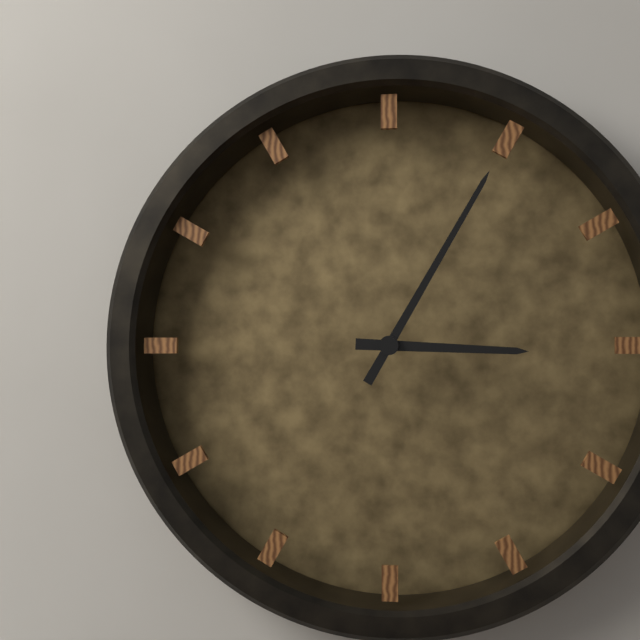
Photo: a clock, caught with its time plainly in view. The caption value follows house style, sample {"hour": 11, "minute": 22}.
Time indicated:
{"hour": 3, "minute": 5}
